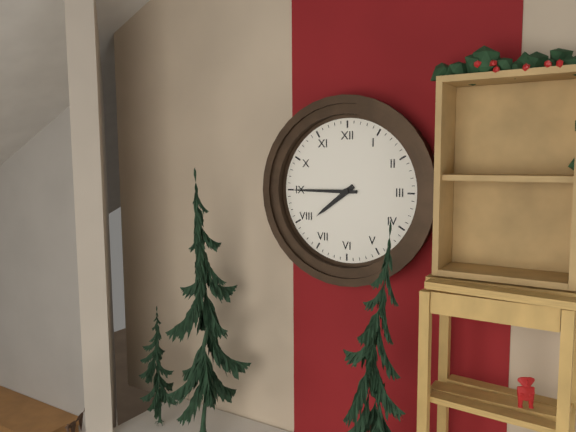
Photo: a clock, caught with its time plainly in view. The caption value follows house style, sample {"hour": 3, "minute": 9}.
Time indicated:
{"hour": 7, "minute": 45}
